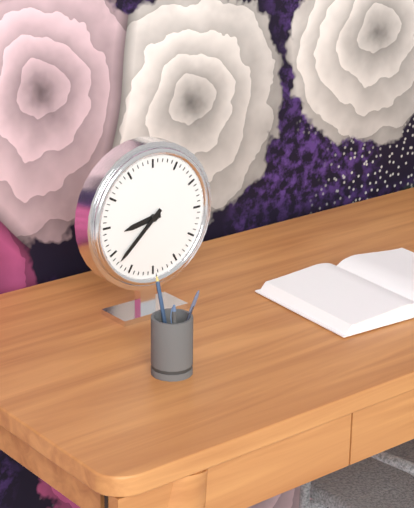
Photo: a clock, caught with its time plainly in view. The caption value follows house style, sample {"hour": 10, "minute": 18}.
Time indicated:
{"hour": 8, "minute": 38}
